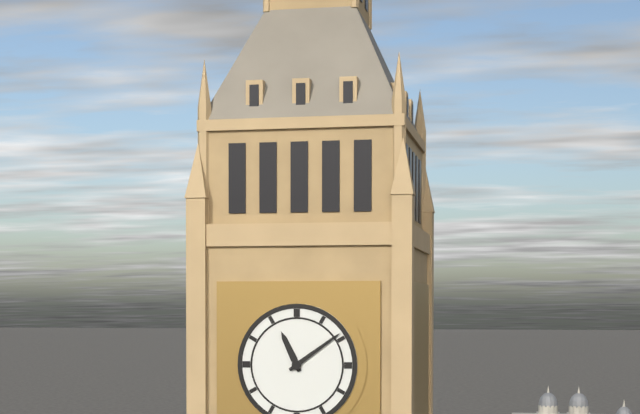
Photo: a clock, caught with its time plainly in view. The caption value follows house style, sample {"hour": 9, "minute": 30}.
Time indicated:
{"hour": 11, "minute": 9}
